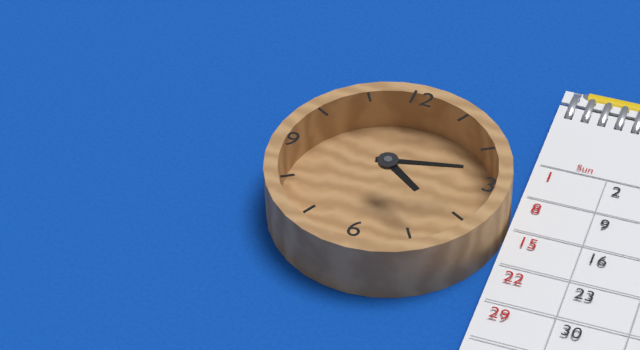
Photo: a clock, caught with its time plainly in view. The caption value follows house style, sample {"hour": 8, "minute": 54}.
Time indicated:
{"hour": 4, "minute": 13}
